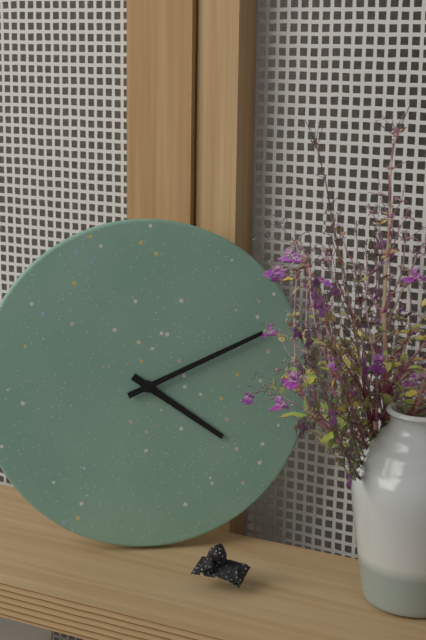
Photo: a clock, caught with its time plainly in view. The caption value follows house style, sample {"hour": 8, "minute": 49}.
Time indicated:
{"hour": 4, "minute": 11}
